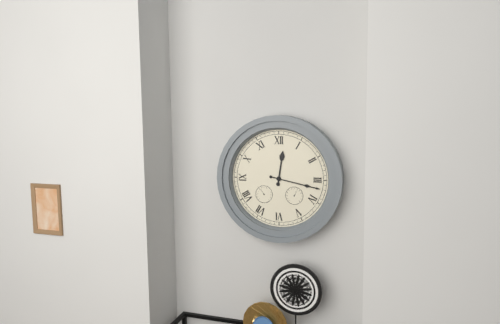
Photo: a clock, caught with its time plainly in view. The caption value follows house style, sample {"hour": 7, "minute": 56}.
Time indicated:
{"hour": 12, "minute": 17}
